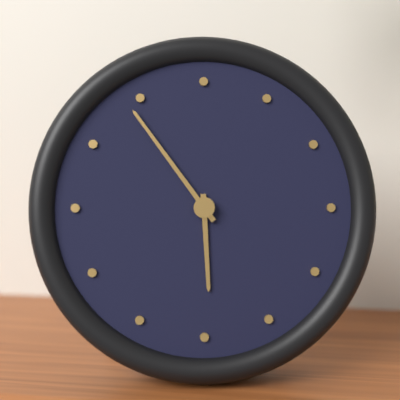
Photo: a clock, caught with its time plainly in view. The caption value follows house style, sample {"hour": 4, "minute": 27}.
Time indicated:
{"hour": 5, "minute": 54}
